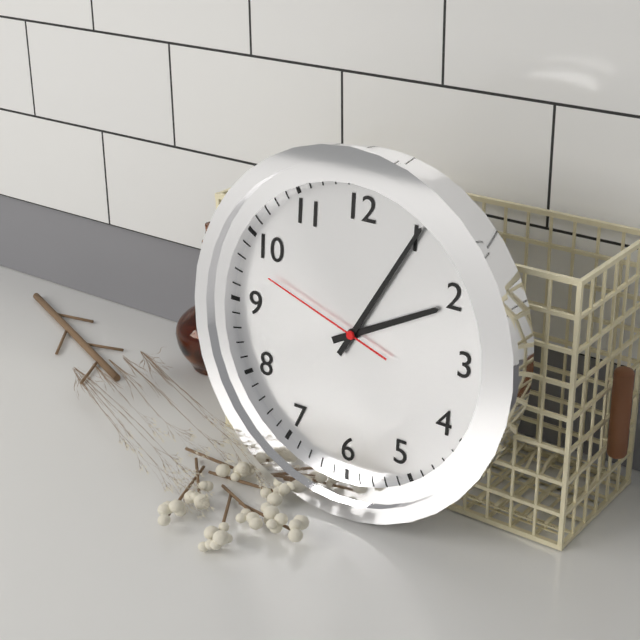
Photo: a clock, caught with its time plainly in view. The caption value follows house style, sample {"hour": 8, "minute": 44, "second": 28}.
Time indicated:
{"hour": 2, "minute": 5, "second": 48}
